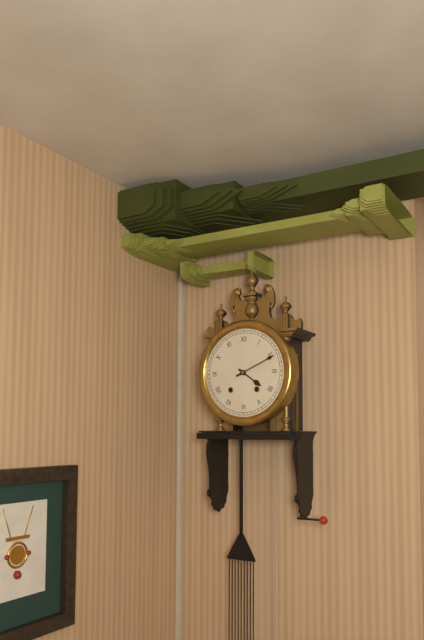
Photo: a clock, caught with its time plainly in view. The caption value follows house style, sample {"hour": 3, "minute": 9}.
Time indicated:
{"hour": 4, "minute": 11}
